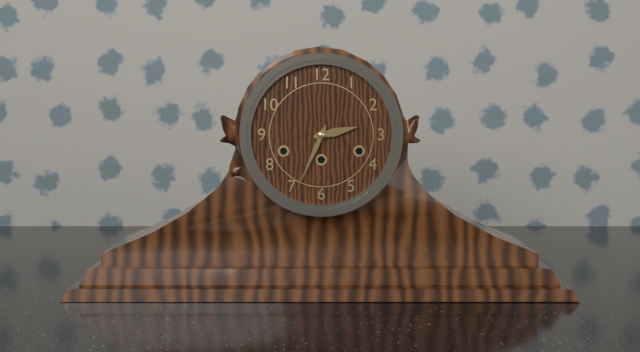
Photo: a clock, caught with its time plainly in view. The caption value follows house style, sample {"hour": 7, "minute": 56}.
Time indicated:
{"hour": 2, "minute": 34}
